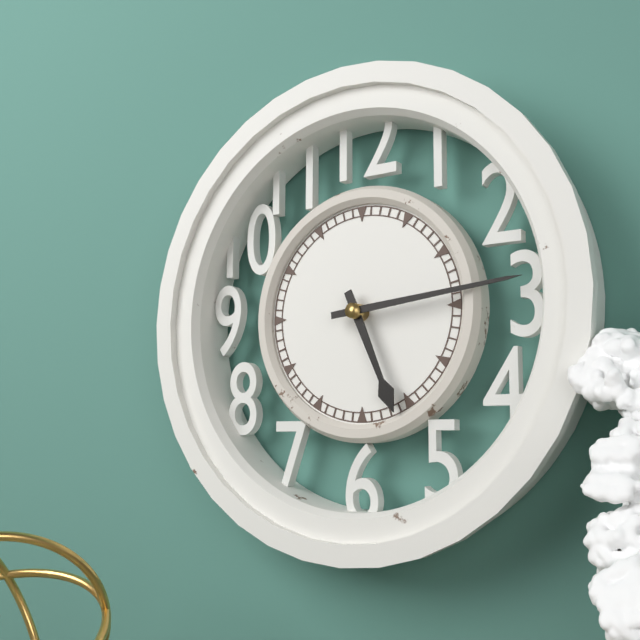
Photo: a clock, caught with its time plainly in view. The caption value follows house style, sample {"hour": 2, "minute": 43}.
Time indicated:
{"hour": 5, "minute": 14}
